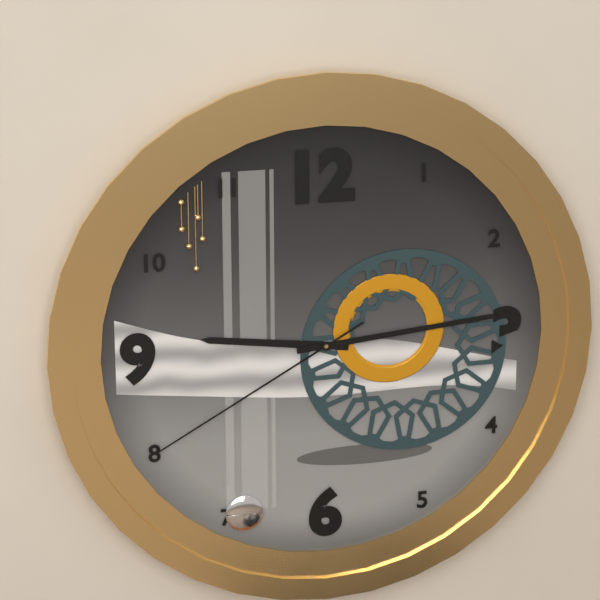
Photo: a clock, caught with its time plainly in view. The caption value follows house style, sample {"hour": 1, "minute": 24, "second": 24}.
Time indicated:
{"hour": 9, "minute": 14, "second": 40}
